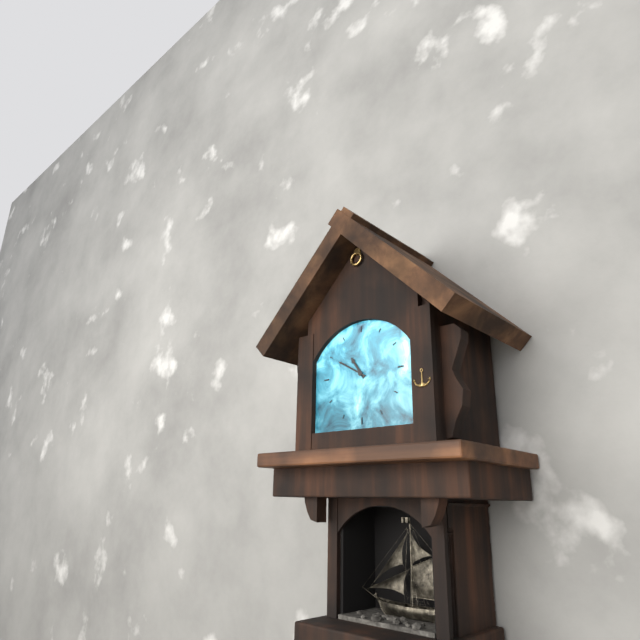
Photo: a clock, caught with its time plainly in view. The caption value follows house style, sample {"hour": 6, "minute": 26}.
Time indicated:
{"hour": 10, "minute": 50}
